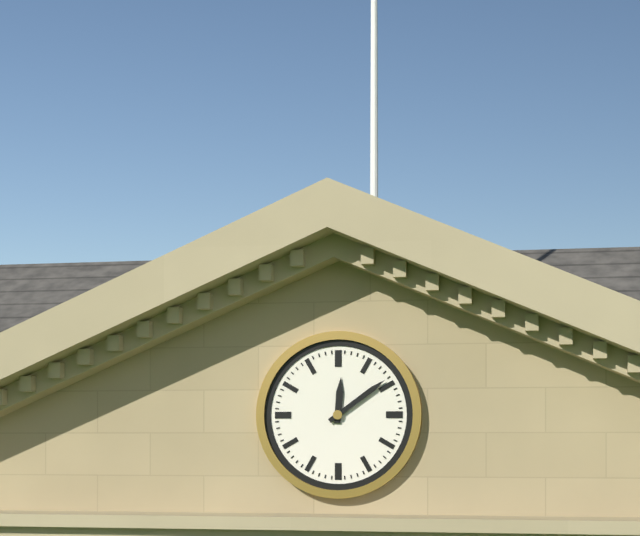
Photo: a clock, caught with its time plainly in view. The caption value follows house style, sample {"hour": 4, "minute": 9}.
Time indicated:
{"hour": 12, "minute": 9}
